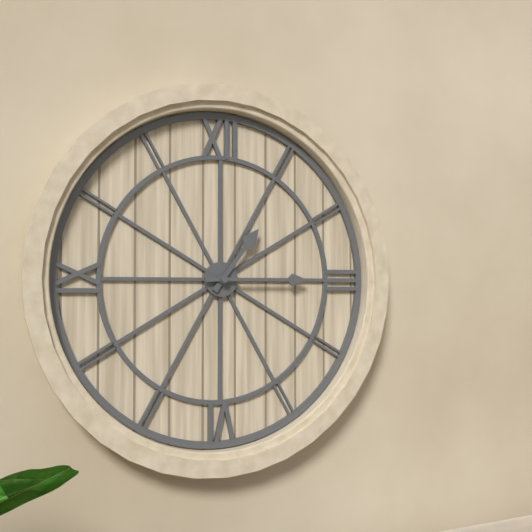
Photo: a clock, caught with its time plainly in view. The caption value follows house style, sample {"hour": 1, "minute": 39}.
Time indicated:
{"hour": 1, "minute": 15}
